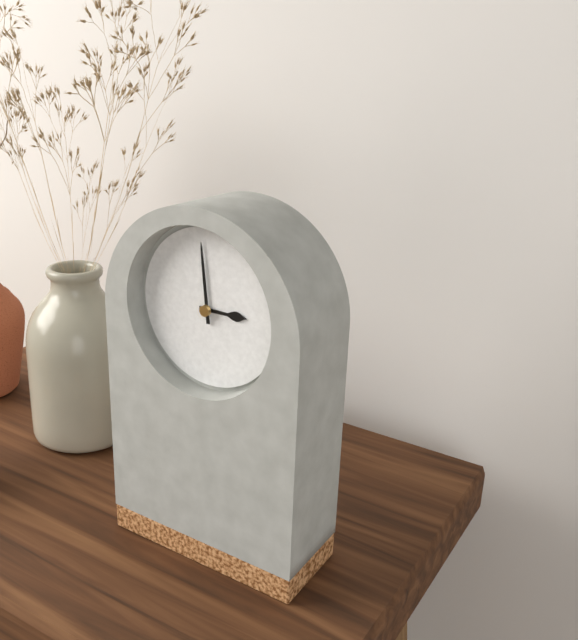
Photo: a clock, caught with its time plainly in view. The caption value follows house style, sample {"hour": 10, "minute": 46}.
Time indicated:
{"hour": 2, "minute": 59}
